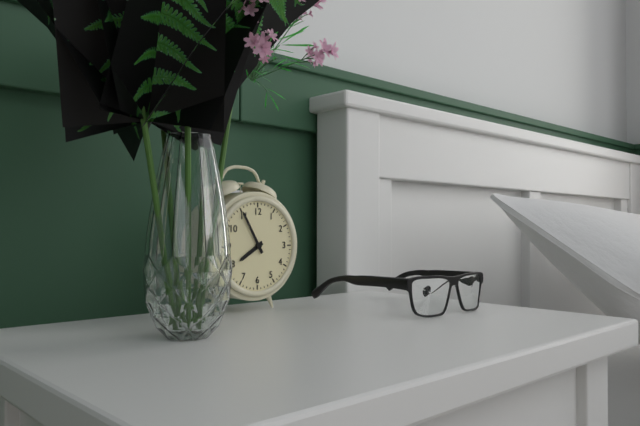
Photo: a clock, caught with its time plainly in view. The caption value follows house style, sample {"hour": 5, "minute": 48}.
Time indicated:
{"hour": 7, "minute": 55}
